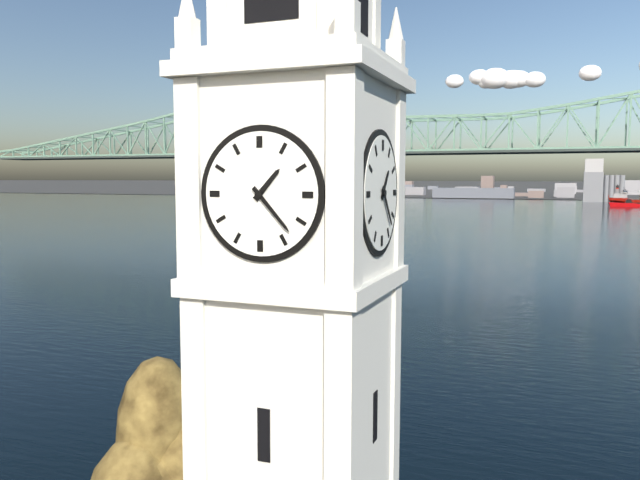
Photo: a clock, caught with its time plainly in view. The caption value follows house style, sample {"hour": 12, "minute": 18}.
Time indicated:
{"hour": 1, "minute": 23}
